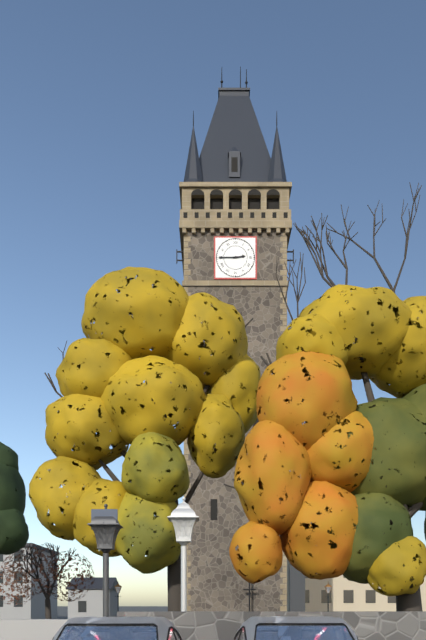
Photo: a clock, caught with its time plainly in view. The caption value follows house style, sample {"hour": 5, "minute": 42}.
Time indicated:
{"hour": 2, "minute": 45}
